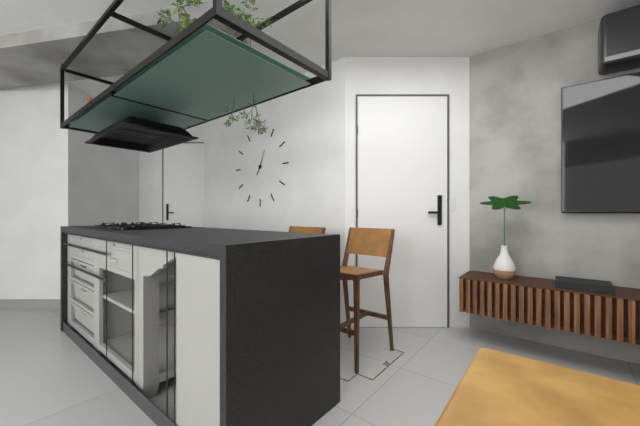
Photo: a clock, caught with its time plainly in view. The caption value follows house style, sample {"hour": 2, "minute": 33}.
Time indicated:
{"hour": 7, "minute": 4}
